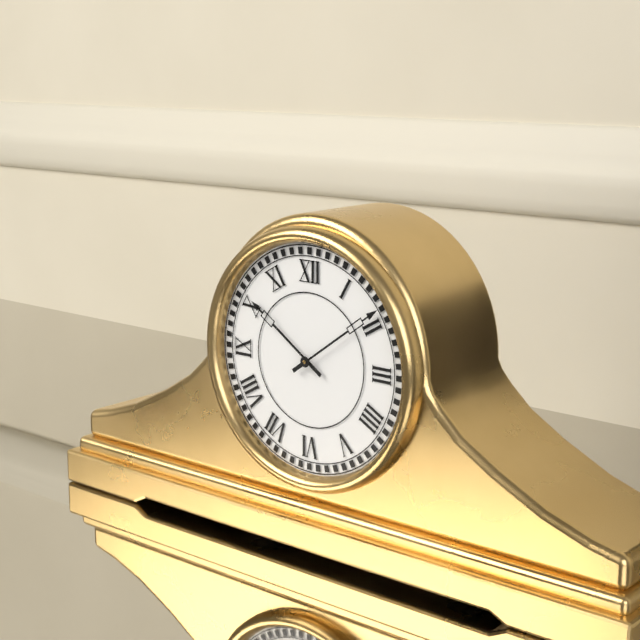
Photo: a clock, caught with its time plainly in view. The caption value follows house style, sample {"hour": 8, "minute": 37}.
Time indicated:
{"hour": 10, "minute": 9}
